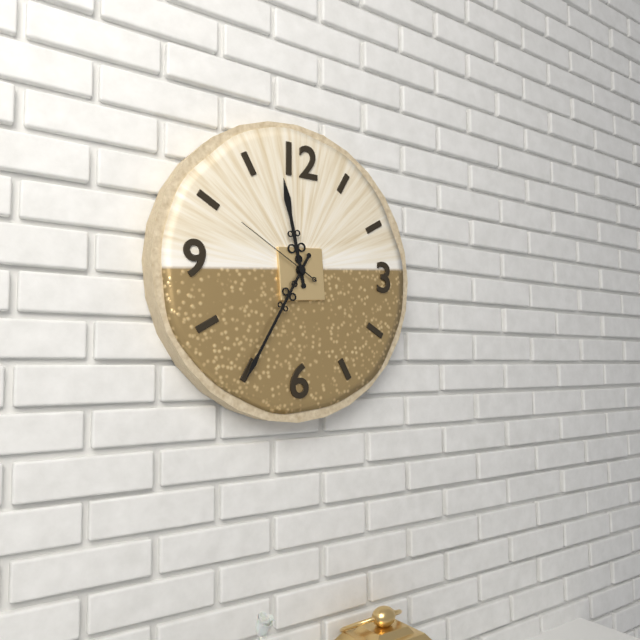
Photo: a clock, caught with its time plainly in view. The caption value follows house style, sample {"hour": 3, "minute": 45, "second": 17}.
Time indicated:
{"hour": 11, "minute": 35, "second": 50}
